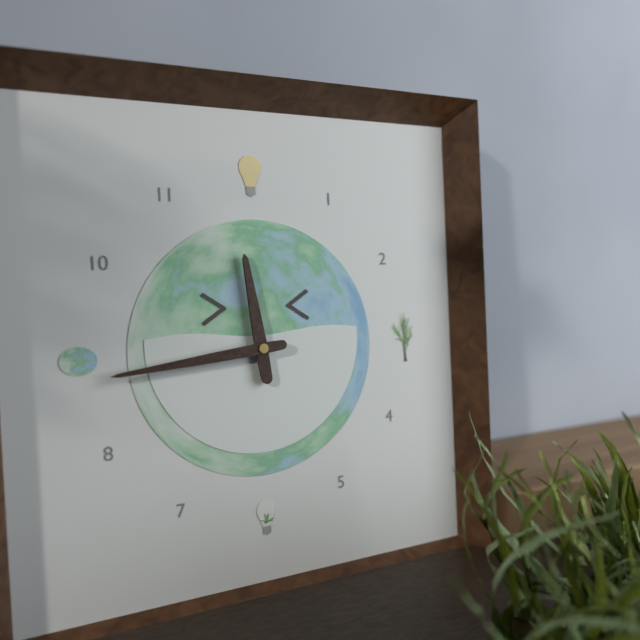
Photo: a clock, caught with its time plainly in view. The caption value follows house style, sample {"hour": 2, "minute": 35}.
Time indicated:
{"hour": 11, "minute": 44}
